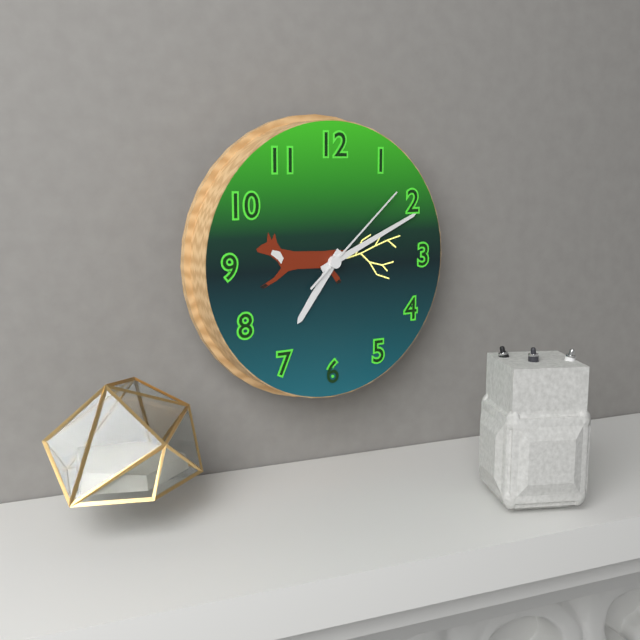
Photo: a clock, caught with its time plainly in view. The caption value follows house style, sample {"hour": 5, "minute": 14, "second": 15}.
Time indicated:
{"hour": 7, "minute": 11, "second": 8}
